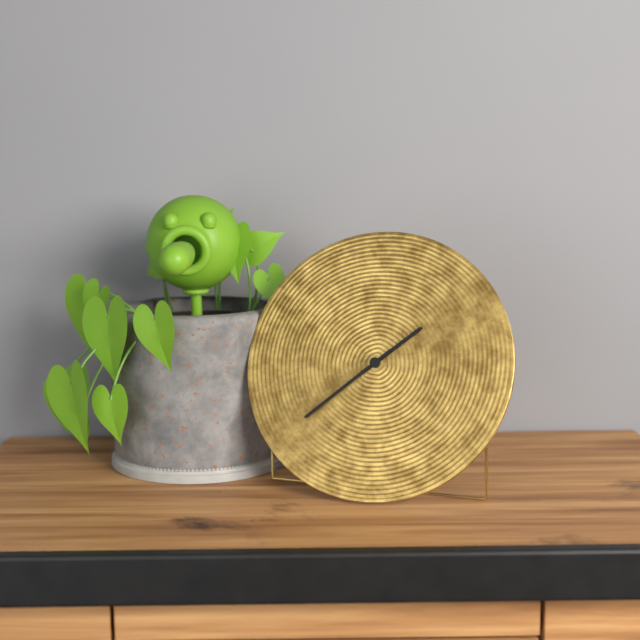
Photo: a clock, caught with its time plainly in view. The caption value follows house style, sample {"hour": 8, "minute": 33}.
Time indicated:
{"hour": 1, "minute": 38}
